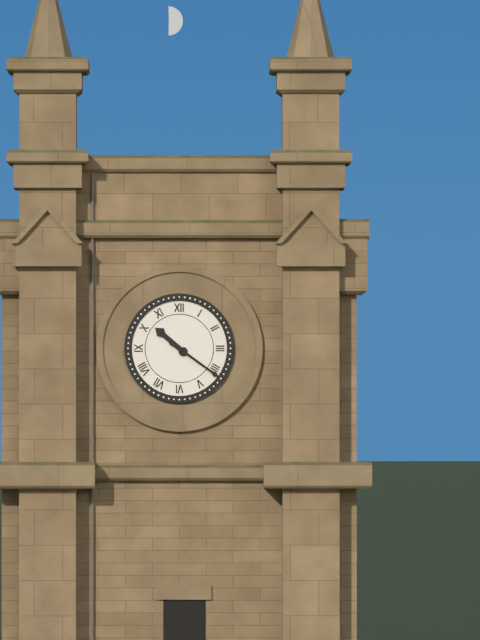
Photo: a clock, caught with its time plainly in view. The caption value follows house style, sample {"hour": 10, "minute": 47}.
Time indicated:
{"hour": 10, "minute": 21}
